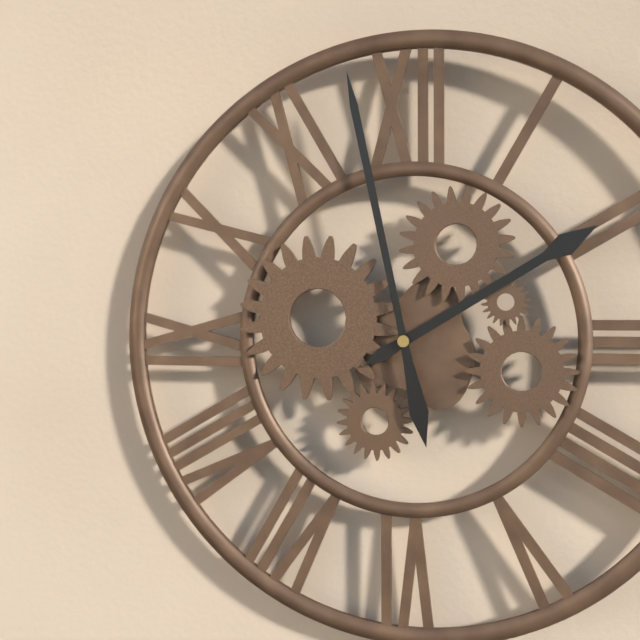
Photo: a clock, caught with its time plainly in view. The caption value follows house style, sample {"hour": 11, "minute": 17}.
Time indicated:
{"hour": 1, "minute": 58}
